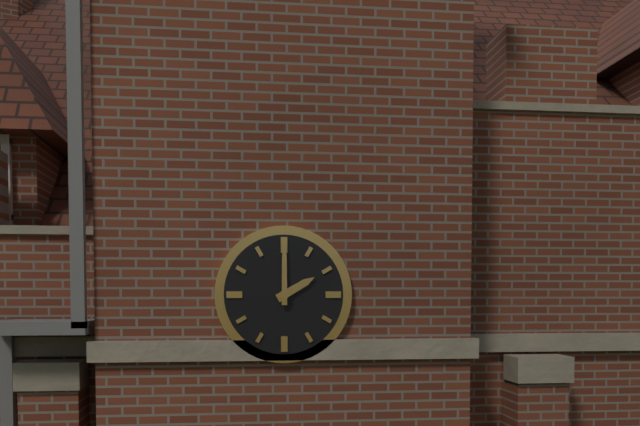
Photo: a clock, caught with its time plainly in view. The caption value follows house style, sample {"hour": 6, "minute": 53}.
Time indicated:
{"hour": 2, "minute": 0}
